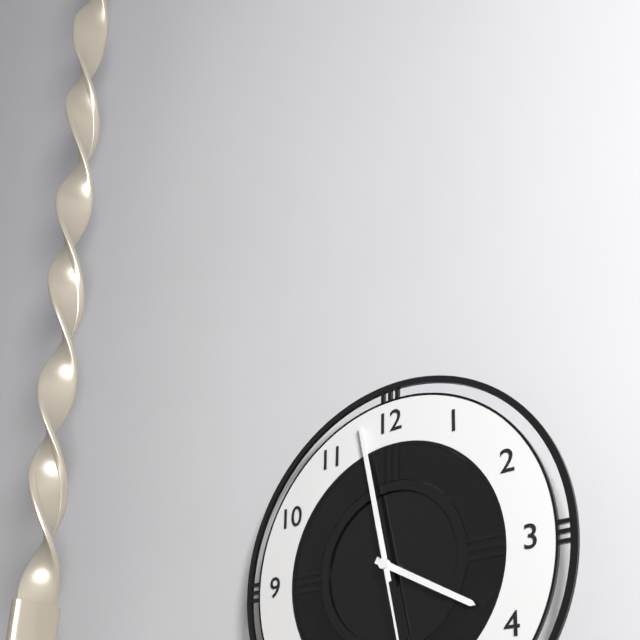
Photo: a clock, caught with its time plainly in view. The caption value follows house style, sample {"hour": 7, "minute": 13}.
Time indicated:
{"hour": 3, "minute": 58}
